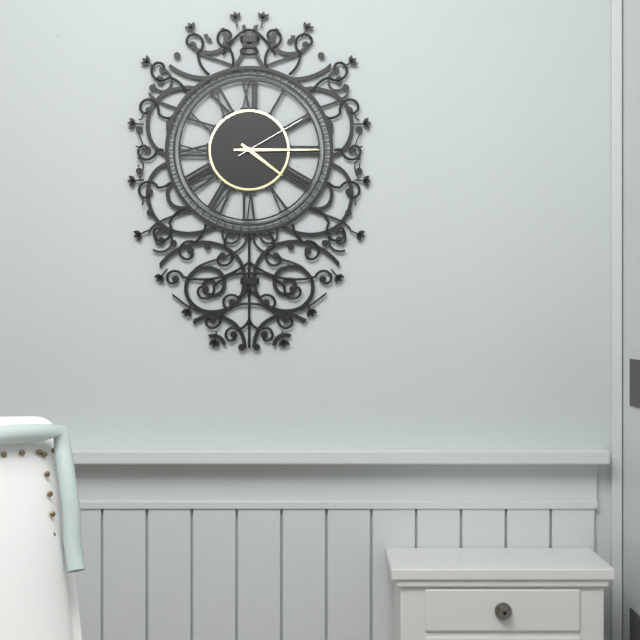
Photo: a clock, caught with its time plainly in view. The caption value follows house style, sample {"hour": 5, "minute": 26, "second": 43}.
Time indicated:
{"hour": 4, "minute": 15, "second": 10}
